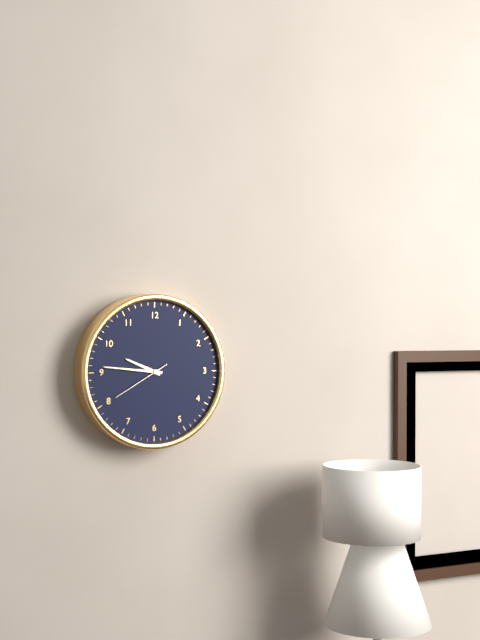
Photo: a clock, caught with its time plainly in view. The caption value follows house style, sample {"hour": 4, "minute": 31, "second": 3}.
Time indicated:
{"hour": 9, "minute": 46, "second": 40}
